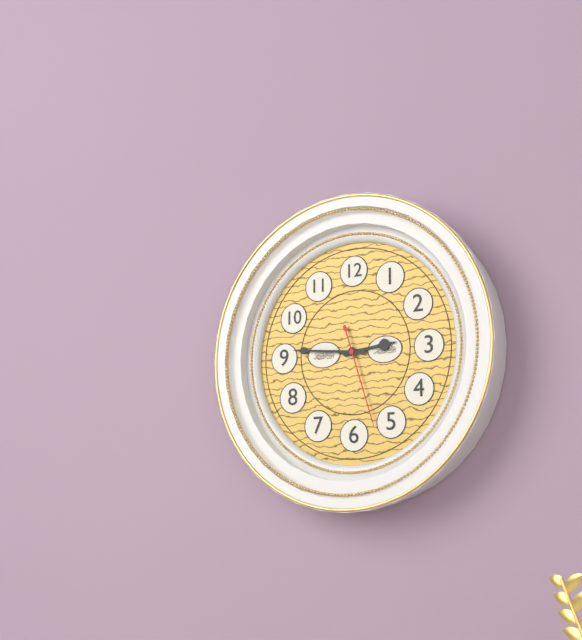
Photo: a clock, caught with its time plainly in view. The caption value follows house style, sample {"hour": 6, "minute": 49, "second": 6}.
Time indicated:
{"hour": 2, "minute": 46, "second": 27}
